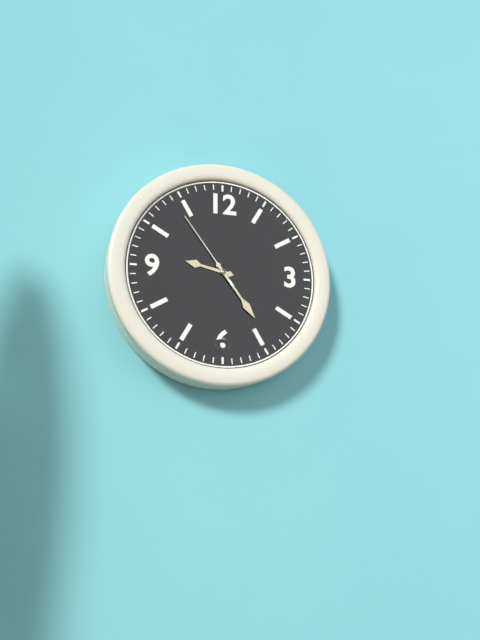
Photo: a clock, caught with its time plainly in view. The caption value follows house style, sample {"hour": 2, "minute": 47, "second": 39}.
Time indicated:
{"hour": 9, "minute": 24, "second": 54}
